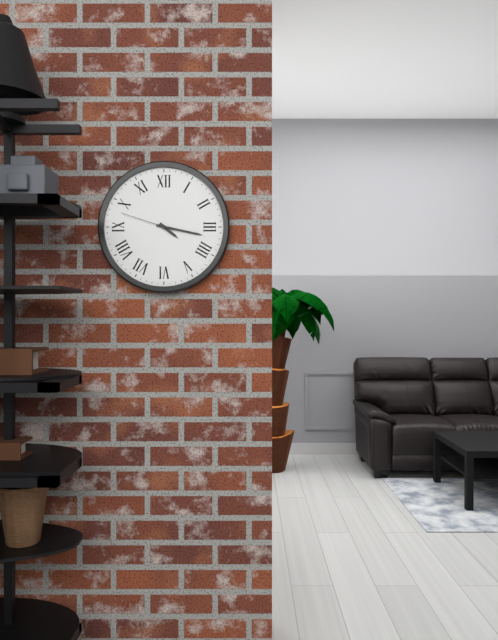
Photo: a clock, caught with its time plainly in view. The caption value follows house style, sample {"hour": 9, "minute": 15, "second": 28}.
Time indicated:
{"hour": 4, "minute": 17, "second": 48}
